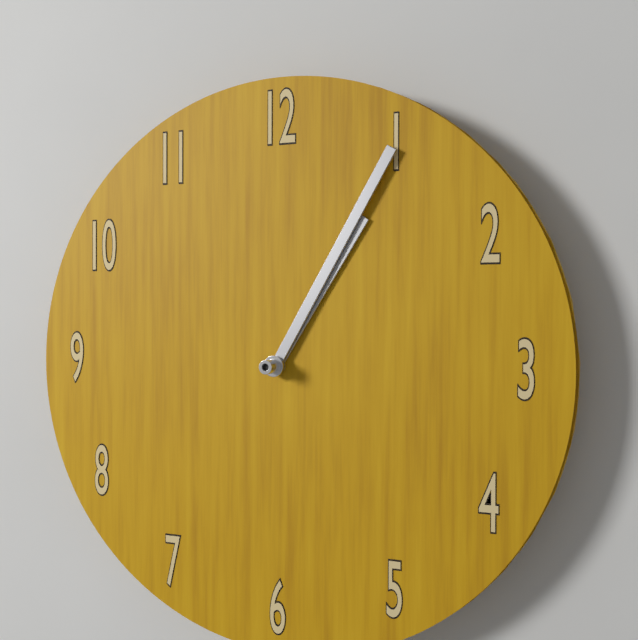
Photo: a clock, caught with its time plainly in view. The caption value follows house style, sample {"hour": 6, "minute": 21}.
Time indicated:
{"hour": 1, "minute": 5}
